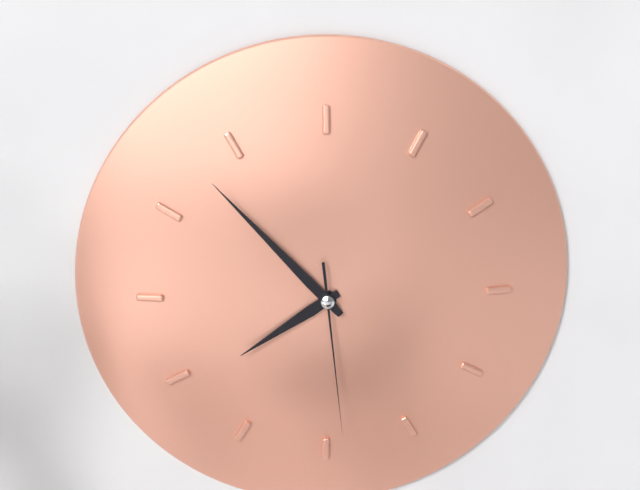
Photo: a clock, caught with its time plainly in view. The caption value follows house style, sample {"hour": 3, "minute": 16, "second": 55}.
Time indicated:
{"hour": 7, "minute": 53, "second": 29}
